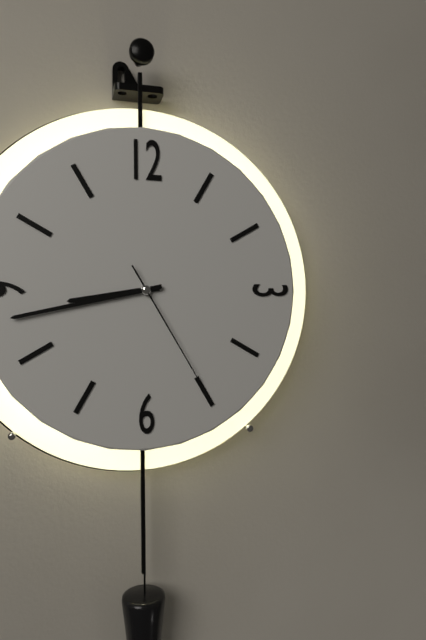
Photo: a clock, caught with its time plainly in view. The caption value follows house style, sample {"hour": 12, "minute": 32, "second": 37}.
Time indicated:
{"hour": 8, "minute": 43, "second": 25}
